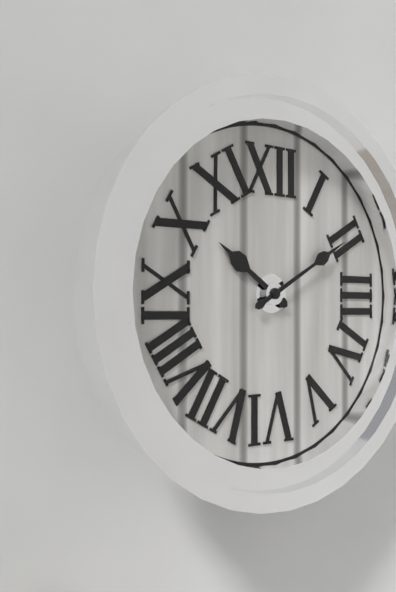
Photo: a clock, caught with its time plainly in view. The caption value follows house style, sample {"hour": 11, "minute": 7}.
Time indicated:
{"hour": 10, "minute": 10}
